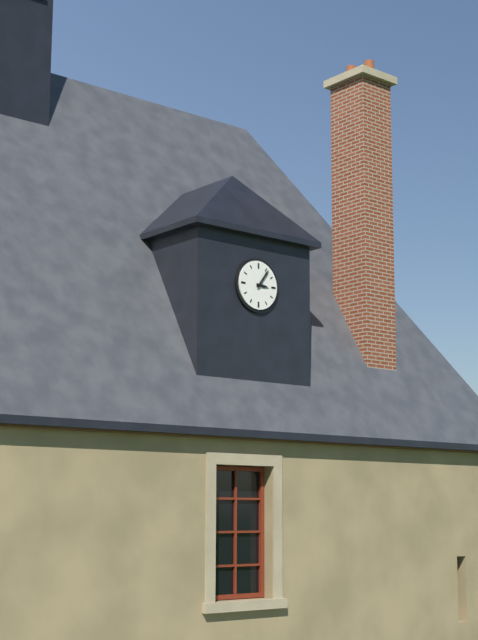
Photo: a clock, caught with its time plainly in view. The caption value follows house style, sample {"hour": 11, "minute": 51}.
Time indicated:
{"hour": 3, "minute": 6}
